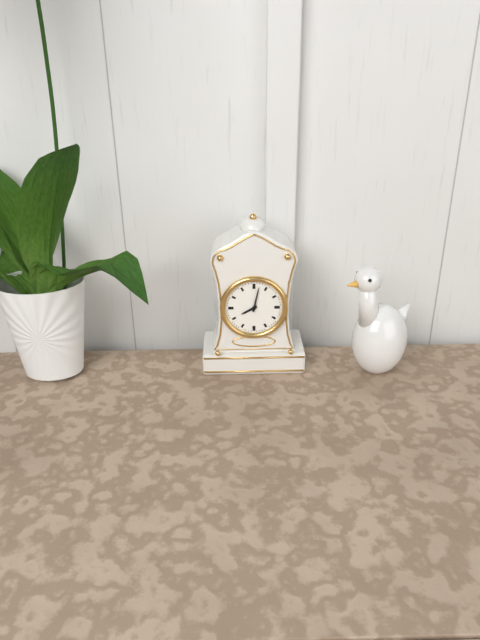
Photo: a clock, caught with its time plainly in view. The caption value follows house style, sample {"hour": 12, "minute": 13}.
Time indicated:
{"hour": 8, "minute": 2}
